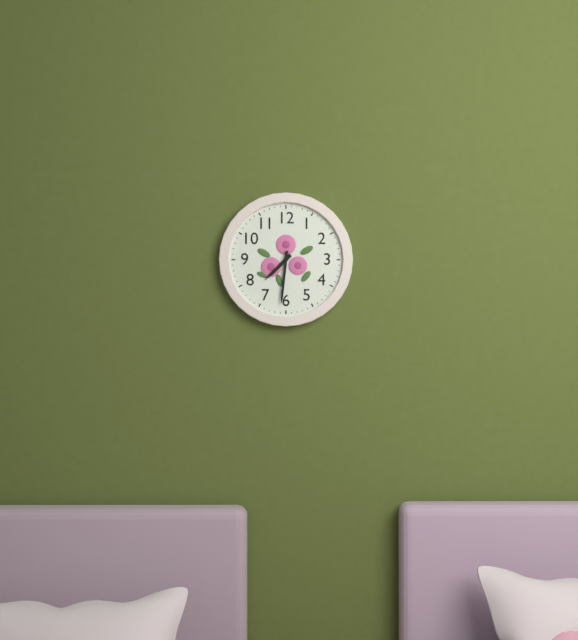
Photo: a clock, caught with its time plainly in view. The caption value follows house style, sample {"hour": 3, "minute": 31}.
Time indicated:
{"hour": 7, "minute": 31}
